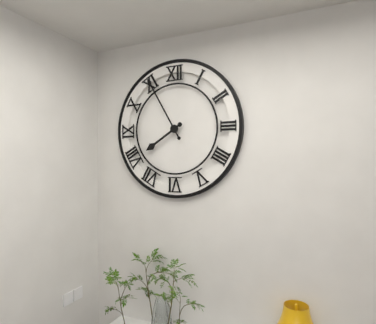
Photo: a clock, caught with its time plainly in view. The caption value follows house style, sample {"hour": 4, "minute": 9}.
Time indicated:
{"hour": 7, "minute": 55}
